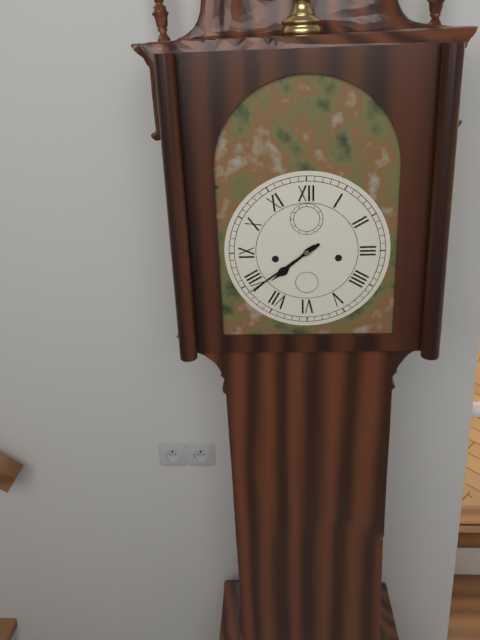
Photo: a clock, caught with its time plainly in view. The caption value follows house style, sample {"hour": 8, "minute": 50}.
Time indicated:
{"hour": 7, "minute": 39}
